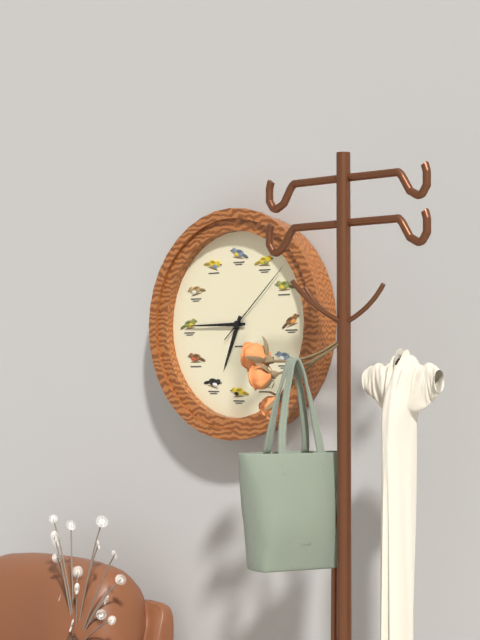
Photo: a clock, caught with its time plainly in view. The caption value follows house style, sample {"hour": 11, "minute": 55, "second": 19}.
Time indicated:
{"hour": 6, "minute": 45, "second": 8}
